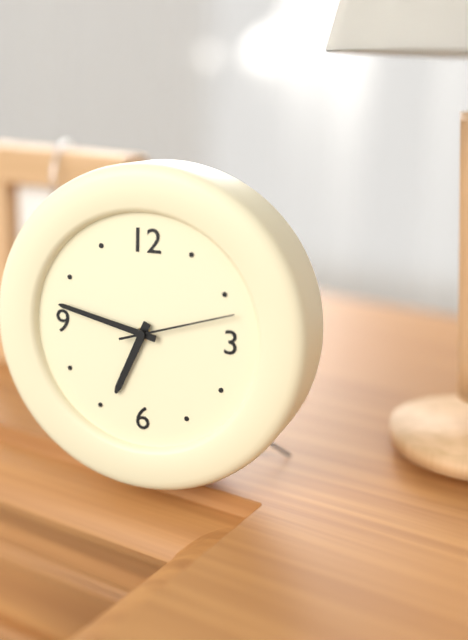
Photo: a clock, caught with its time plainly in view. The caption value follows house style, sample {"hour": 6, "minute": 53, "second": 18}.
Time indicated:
{"hour": 6, "minute": 47, "second": 12}
